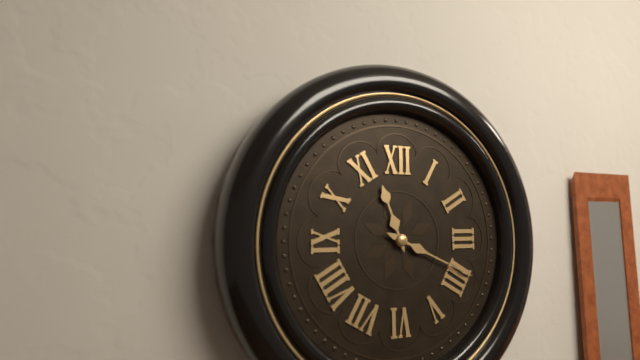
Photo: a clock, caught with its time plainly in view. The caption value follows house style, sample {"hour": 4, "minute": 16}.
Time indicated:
{"hour": 11, "minute": 19}
